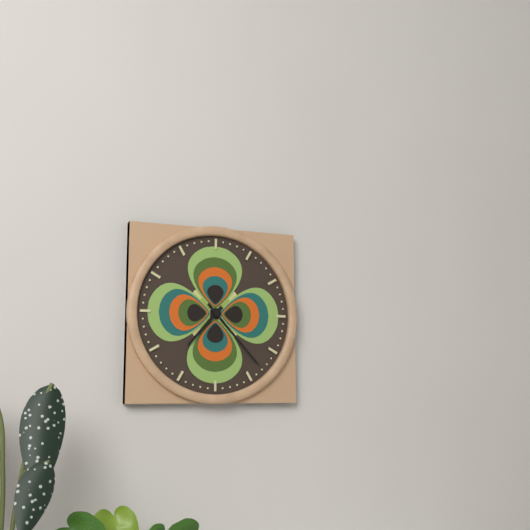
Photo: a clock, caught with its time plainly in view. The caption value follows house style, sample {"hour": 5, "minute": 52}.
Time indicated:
{"hour": 7, "minute": 23}
